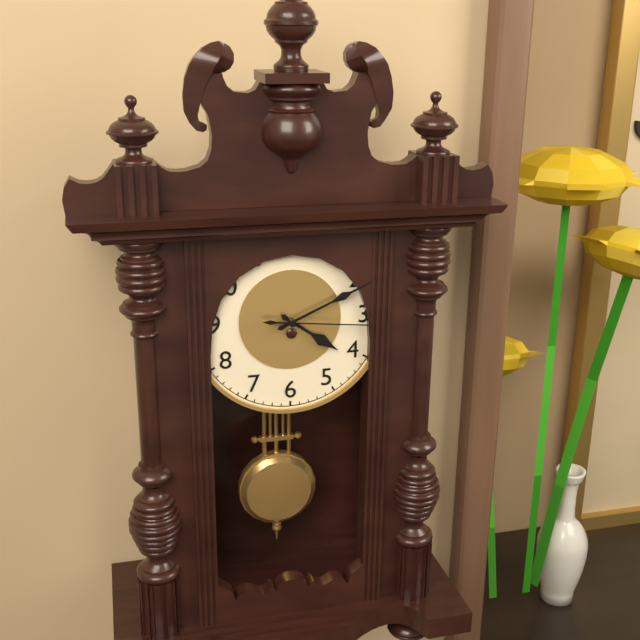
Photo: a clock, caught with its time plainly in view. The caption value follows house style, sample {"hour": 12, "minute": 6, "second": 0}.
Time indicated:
{"hour": 4, "minute": 11, "second": 16}
